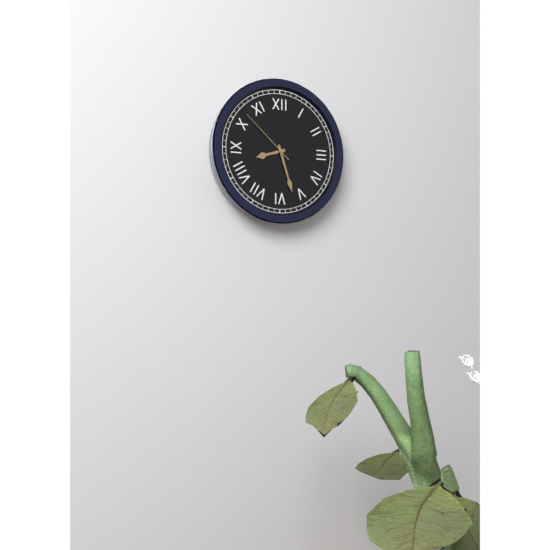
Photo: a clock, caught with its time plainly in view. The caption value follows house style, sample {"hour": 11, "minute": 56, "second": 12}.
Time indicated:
{"hour": 8, "minute": 27, "second": 52}
